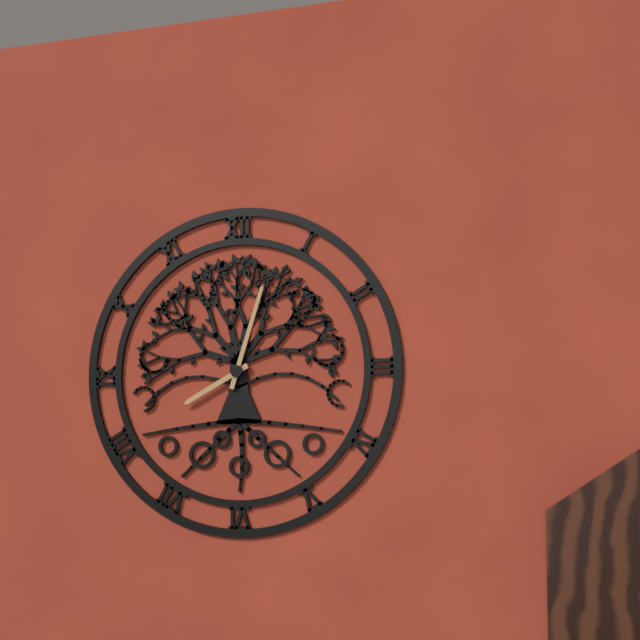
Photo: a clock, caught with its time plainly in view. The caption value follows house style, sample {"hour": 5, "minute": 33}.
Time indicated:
{"hour": 8, "minute": 3}
